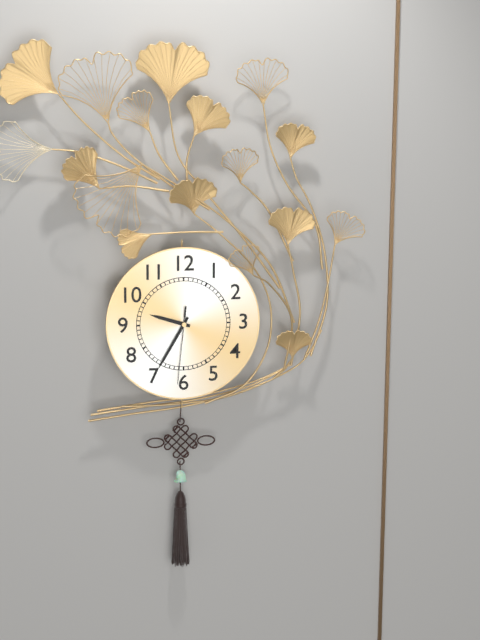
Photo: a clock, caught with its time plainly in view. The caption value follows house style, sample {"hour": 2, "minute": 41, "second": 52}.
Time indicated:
{"hour": 9, "minute": 35, "second": 31}
